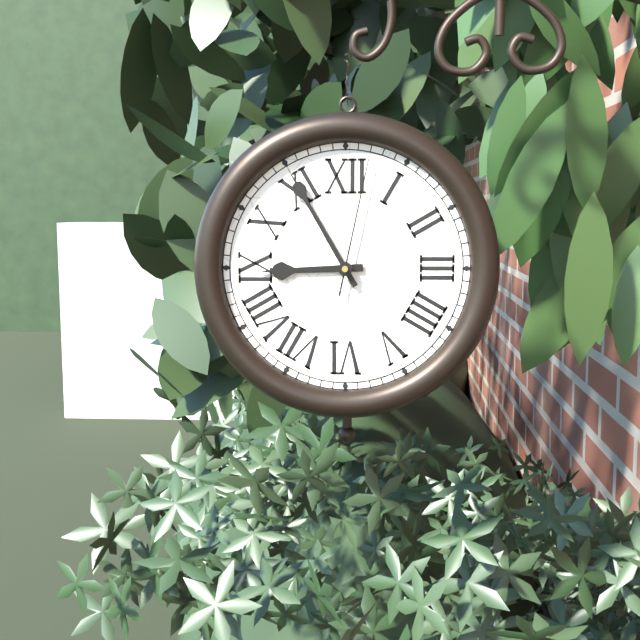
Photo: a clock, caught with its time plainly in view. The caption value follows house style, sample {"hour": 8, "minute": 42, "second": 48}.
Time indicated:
{"hour": 8, "minute": 55, "second": 2}
